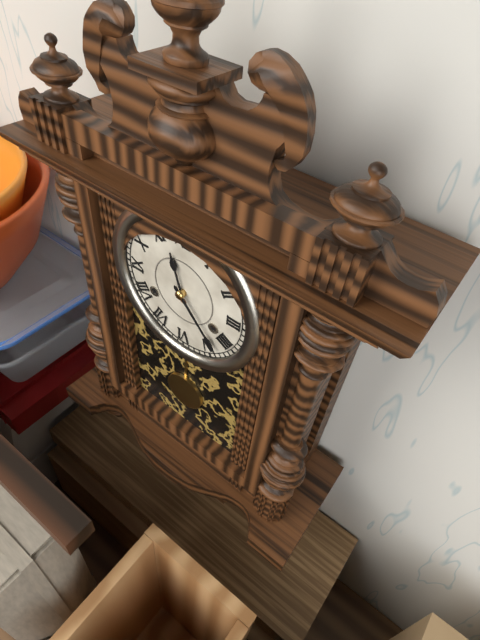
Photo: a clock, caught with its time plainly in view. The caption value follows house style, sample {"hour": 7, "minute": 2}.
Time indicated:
{"hour": 11, "minute": 23}
